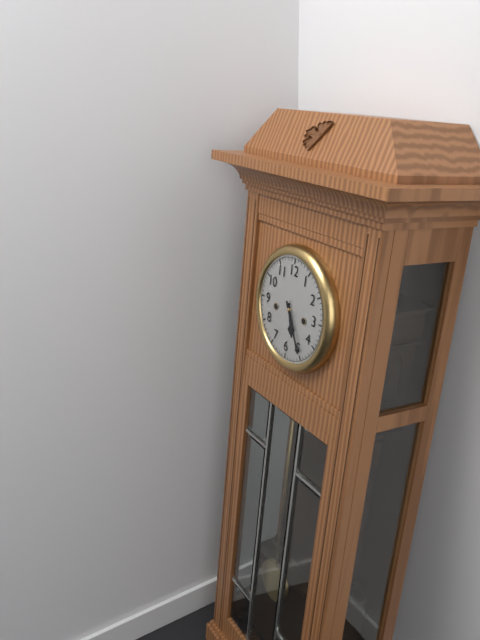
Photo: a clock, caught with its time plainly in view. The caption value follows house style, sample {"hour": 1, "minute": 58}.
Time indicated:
{"hour": 5, "minute": 25}
